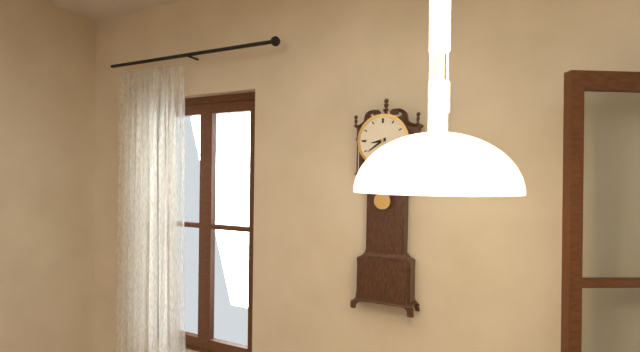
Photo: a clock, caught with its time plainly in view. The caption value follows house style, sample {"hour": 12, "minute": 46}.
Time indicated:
{"hour": 8, "minute": 39}
